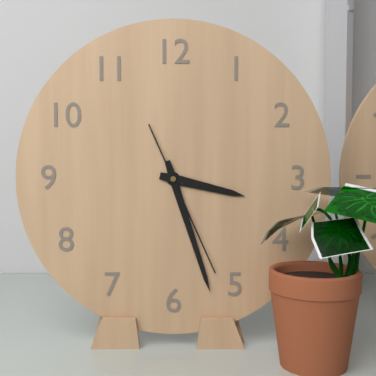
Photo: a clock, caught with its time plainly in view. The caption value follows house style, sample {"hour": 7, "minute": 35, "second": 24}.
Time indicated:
{"hour": 3, "minute": 27, "second": 26}
